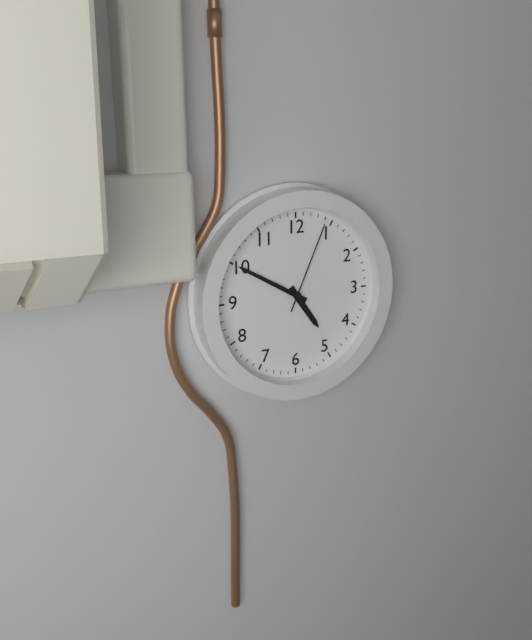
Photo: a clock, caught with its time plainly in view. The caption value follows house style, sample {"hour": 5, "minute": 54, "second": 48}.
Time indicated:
{"hour": 4, "minute": 50, "second": 4}
